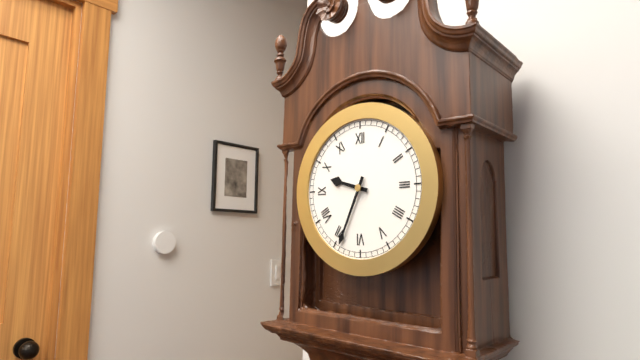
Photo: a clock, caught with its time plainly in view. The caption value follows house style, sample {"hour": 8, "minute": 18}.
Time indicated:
{"hour": 9, "minute": 34}
